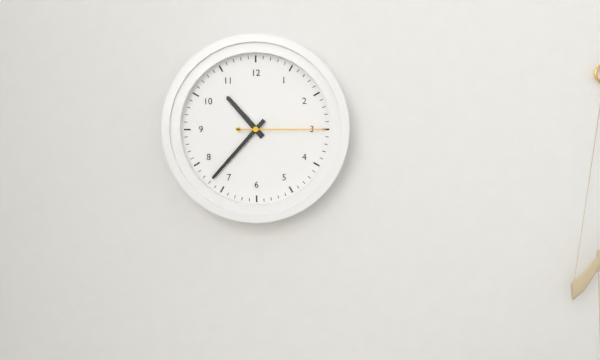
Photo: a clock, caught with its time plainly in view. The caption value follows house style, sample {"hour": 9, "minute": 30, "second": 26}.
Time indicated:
{"hour": 10, "minute": 37, "second": 15}
